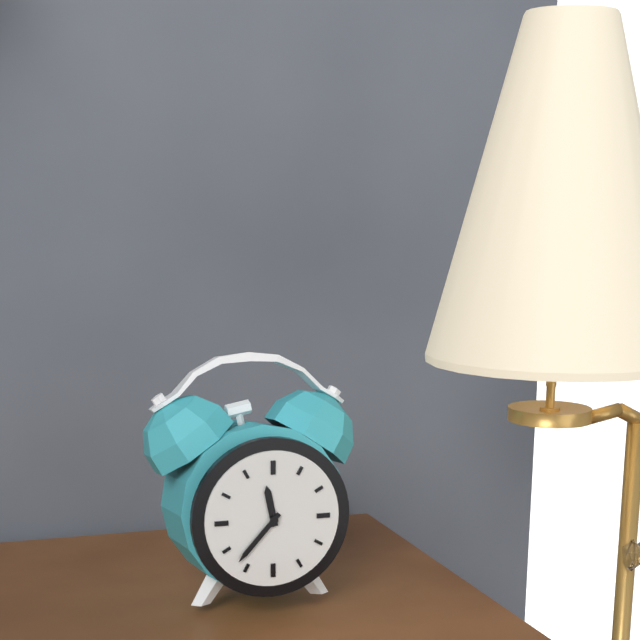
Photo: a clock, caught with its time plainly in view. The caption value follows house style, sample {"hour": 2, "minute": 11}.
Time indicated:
{"hour": 11, "minute": 37}
